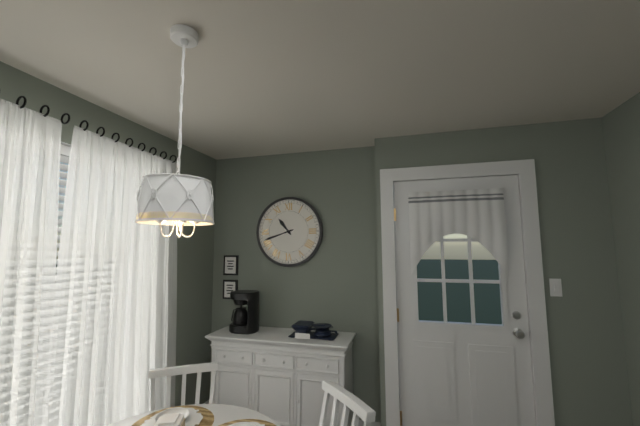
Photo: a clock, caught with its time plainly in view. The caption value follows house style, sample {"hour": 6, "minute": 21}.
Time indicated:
{"hour": 10, "minute": 42}
